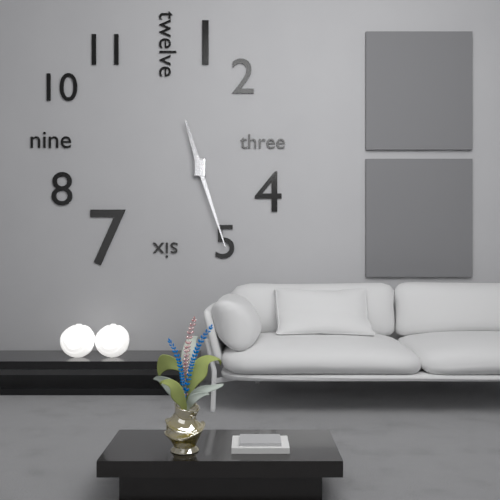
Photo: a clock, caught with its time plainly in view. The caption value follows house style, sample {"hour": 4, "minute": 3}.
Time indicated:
{"hour": 11, "minute": 27}
